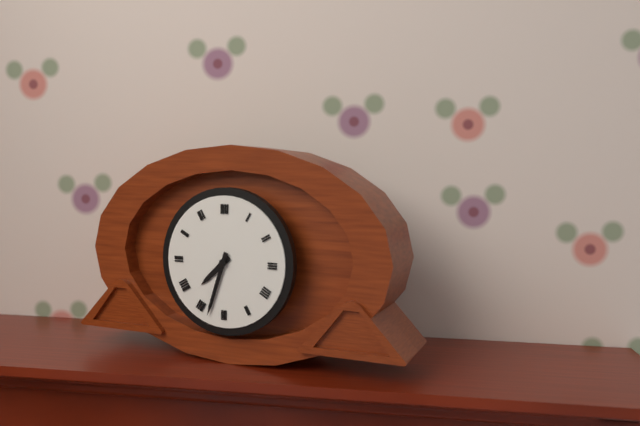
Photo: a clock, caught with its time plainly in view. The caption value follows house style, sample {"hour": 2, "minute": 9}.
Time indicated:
{"hour": 7, "minute": 33}
